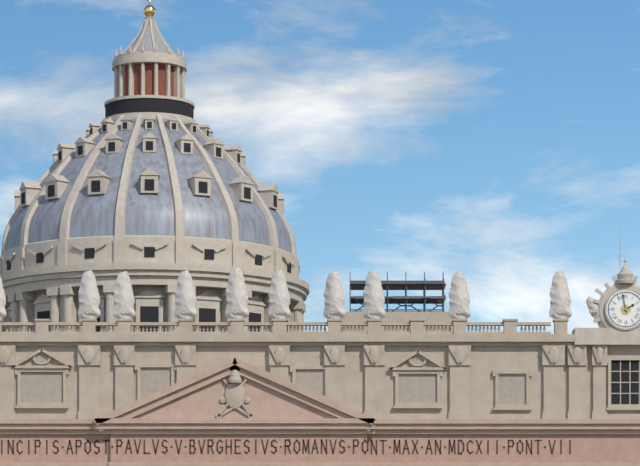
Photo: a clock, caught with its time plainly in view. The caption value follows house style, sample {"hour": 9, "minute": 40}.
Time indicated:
{"hour": 1, "minute": 58}
